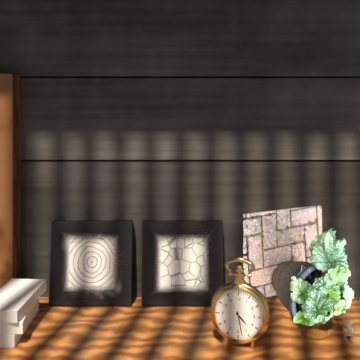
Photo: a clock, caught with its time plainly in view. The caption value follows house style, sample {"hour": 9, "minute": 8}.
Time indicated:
{"hour": 4, "minute": 28}
